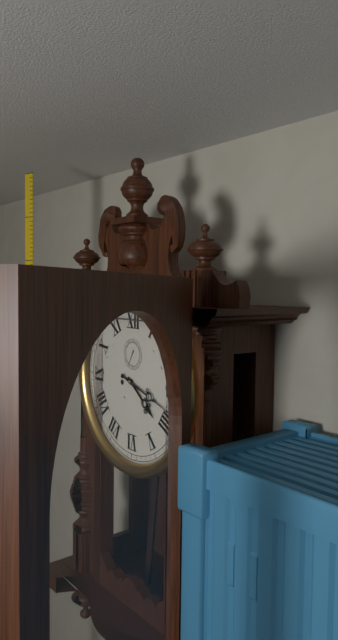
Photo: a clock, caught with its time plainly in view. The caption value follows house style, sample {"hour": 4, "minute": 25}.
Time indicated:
{"hour": 4, "minute": 18}
